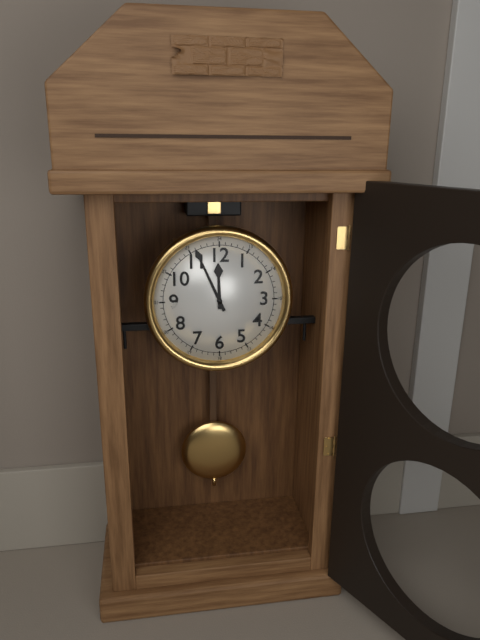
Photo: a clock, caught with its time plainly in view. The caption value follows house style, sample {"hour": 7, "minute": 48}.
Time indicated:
{"hour": 11, "minute": 56}
